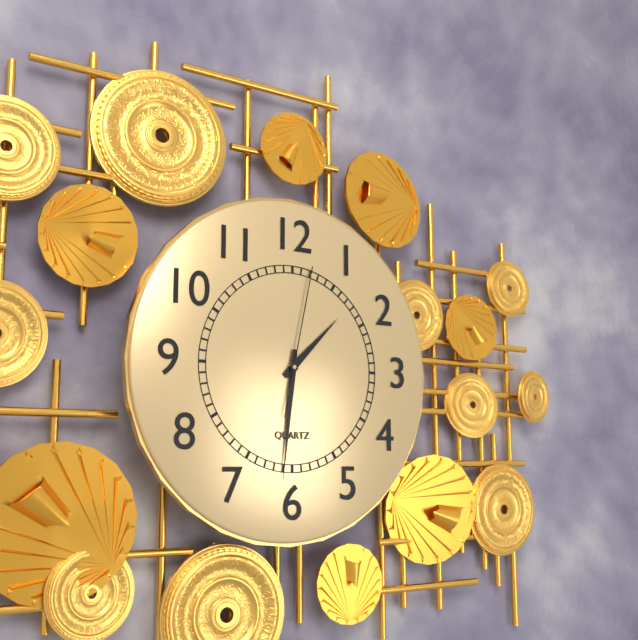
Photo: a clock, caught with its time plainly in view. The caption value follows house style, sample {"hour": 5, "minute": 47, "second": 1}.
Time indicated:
{"hour": 1, "minute": 31, "second": 2}
